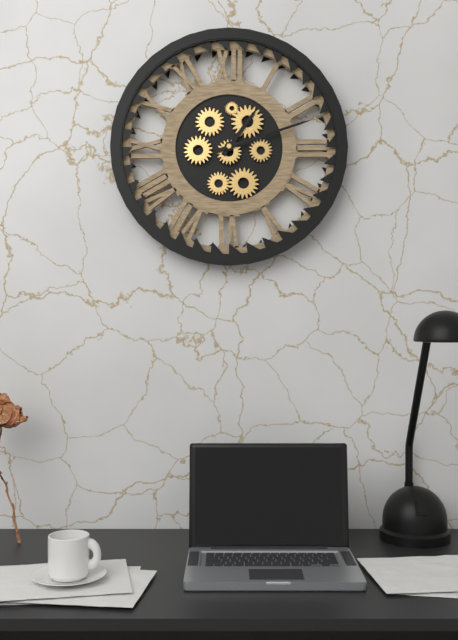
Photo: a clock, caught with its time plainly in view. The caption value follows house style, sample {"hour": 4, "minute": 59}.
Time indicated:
{"hour": 1, "minute": 12}
